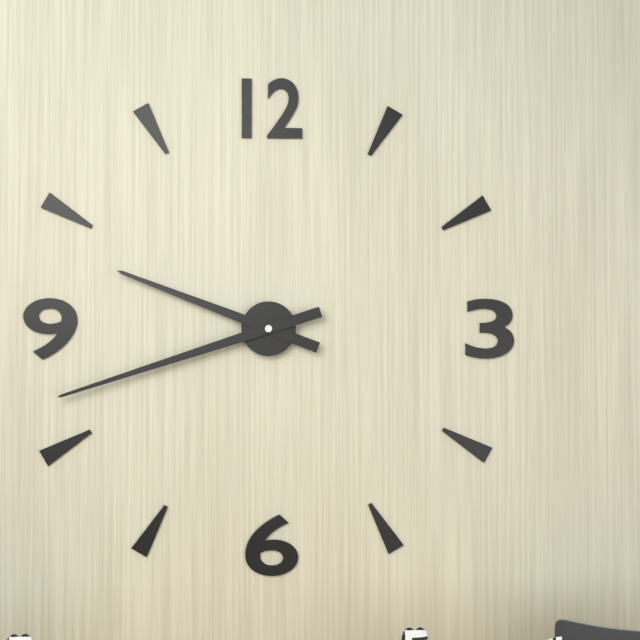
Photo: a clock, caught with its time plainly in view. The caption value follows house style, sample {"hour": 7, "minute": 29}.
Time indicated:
{"hour": 9, "minute": 42}
